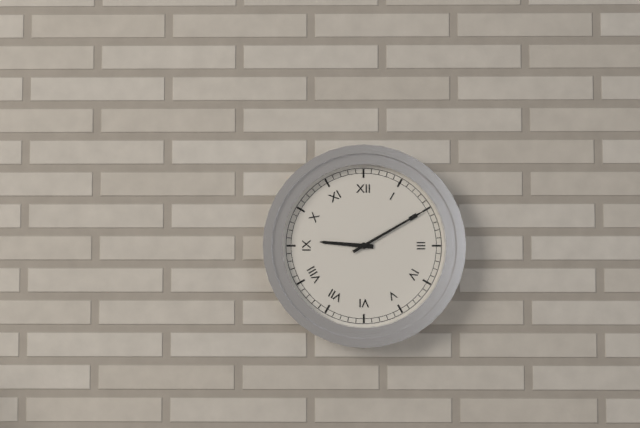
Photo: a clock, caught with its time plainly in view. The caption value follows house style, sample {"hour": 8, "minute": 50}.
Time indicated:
{"hour": 9, "minute": 10}
